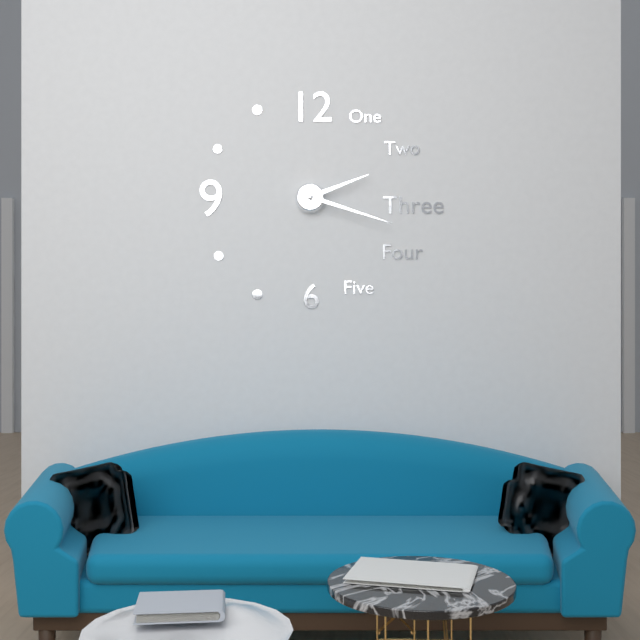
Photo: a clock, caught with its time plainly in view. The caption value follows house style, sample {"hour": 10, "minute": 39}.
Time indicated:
{"hour": 2, "minute": 18}
